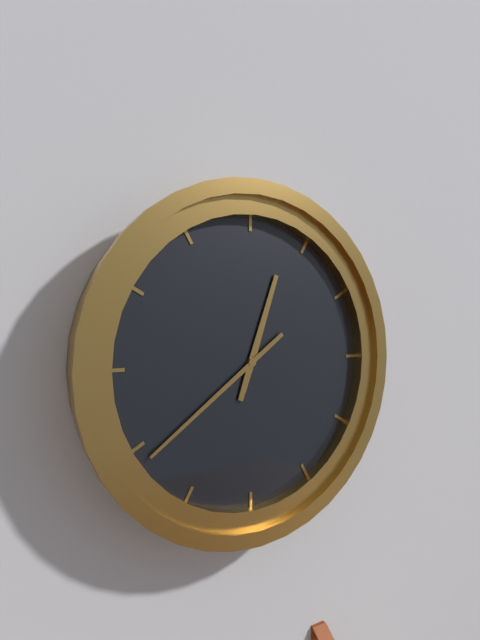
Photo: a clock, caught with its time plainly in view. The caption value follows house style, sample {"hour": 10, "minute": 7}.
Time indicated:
{"hour": 12, "minute": 39}
